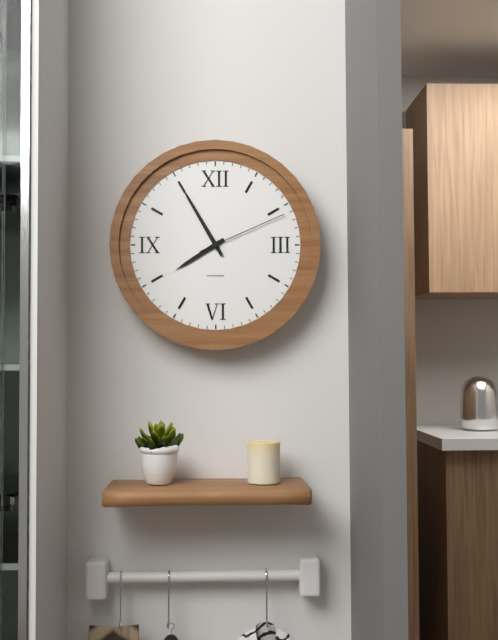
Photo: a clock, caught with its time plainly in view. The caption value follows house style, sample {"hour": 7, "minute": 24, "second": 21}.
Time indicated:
{"hour": 7, "minute": 55, "second": 11}
